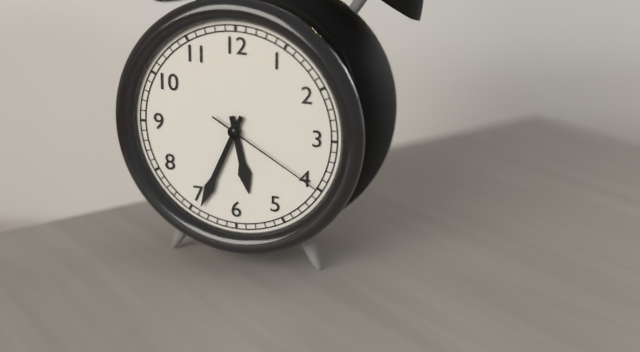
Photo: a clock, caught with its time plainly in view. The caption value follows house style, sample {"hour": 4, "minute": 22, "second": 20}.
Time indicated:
{"hour": 5, "minute": 34, "second": 20}
